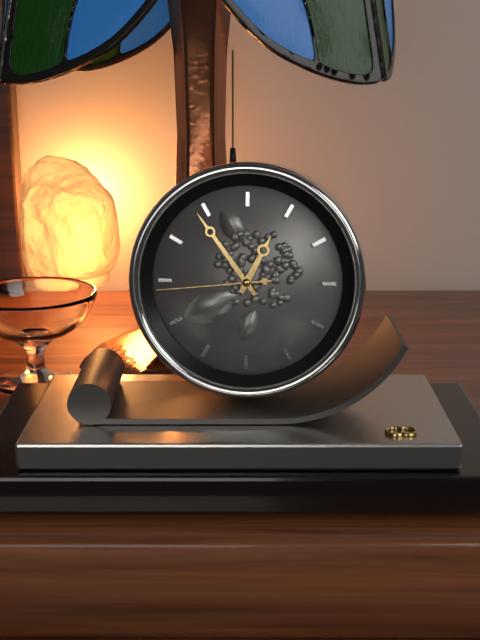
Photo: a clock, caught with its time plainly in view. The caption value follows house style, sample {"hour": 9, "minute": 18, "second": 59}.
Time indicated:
{"hour": 12, "minute": 54, "second": 44}
